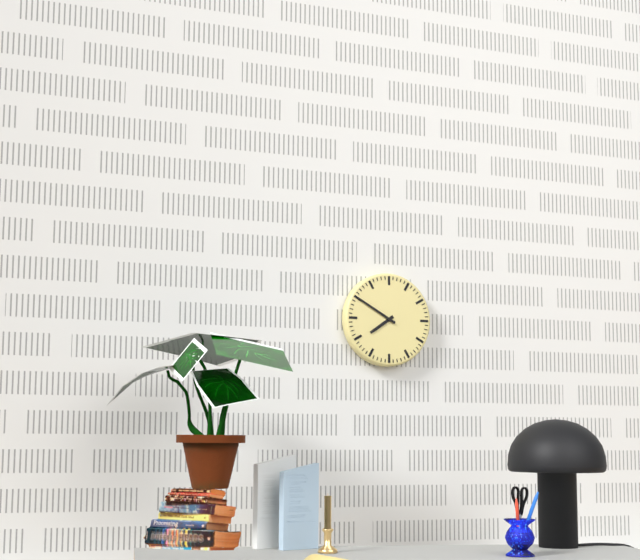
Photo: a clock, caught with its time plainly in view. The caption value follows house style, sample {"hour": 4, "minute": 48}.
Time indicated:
{"hour": 7, "minute": 50}
